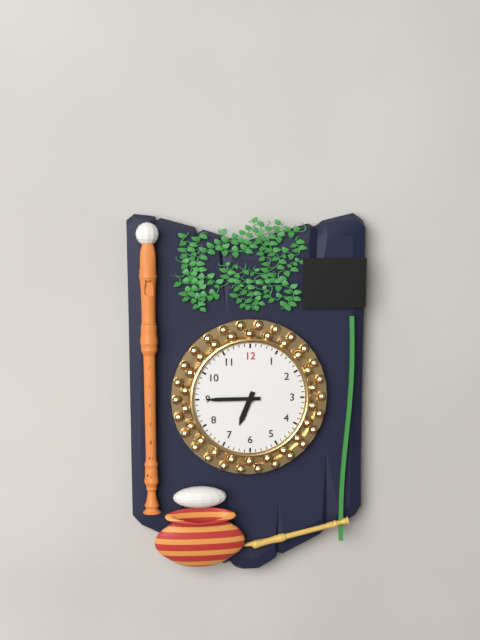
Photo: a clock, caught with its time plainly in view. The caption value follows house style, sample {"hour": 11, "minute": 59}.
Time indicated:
{"hour": 6, "minute": 45}
